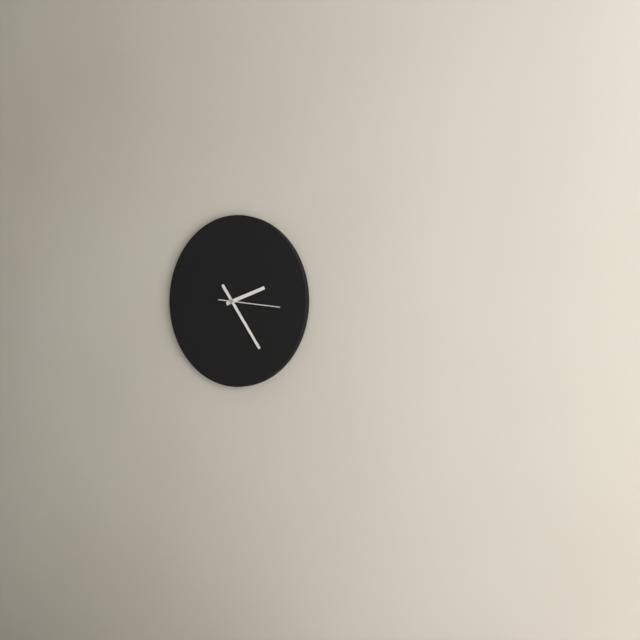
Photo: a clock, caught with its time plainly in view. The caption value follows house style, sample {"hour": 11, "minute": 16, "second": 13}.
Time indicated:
{"hour": 2, "minute": 24, "second": 16}
